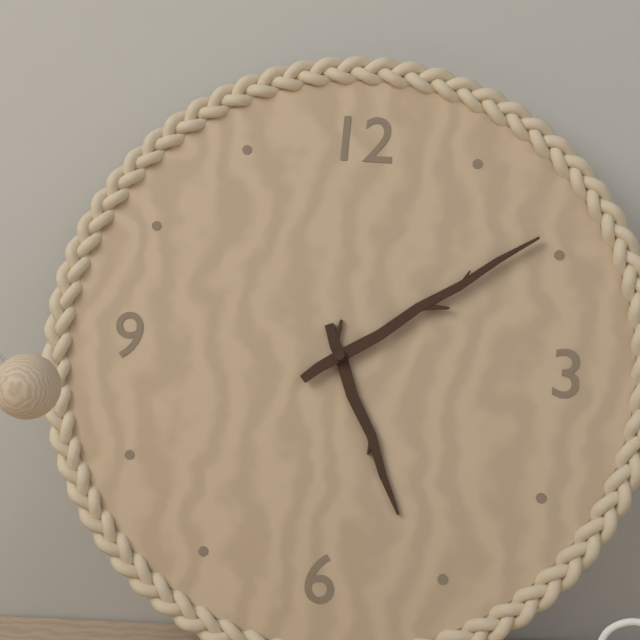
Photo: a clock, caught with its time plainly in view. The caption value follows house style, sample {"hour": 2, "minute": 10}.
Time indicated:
{"hour": 5, "minute": 9}
